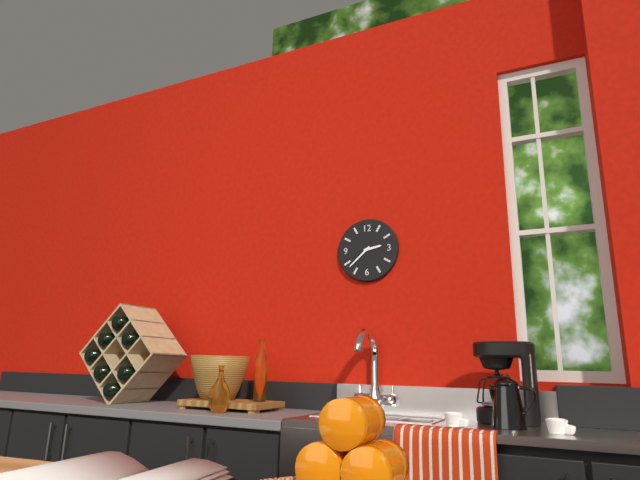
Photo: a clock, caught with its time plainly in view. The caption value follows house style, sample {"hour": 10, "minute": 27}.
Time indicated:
{"hour": 2, "minute": 38}
